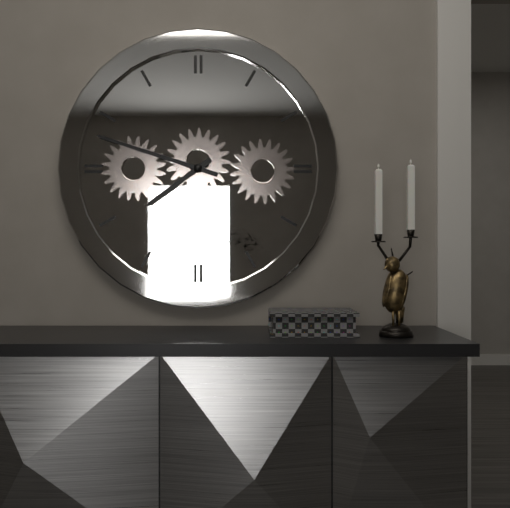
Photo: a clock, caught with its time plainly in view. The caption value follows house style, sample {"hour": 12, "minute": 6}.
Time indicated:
{"hour": 7, "minute": 48}
